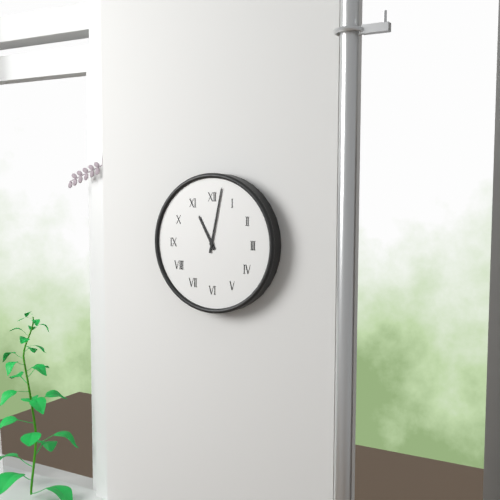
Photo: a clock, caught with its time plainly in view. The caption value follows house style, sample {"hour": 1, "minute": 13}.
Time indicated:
{"hour": 11, "minute": 2}
